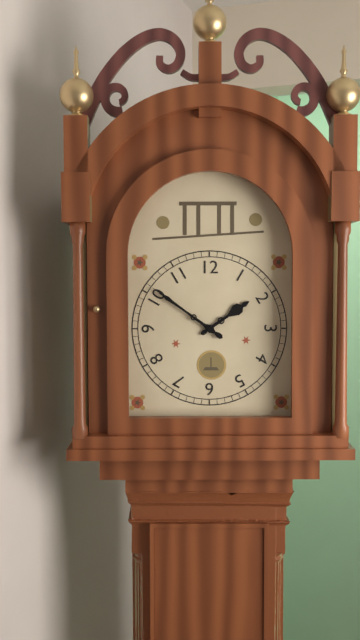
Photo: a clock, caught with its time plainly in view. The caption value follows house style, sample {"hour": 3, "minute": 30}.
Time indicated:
{"hour": 1, "minute": 51}
